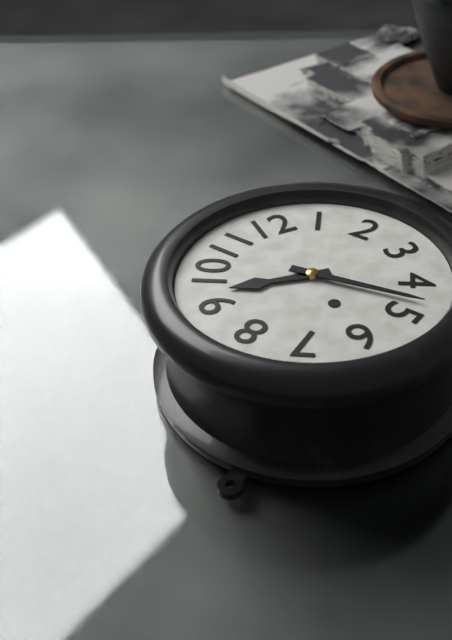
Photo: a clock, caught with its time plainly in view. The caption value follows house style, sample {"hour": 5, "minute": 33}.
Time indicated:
{"hour": 9, "minute": 23}
